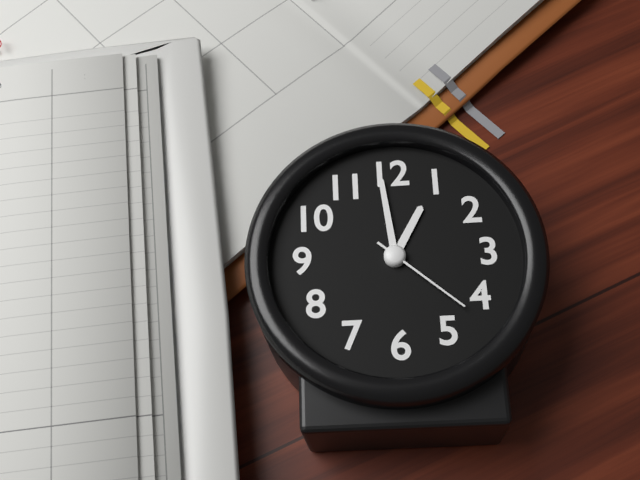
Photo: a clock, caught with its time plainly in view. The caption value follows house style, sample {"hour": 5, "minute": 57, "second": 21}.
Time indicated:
{"hour": 12, "minute": 59, "second": 22}
